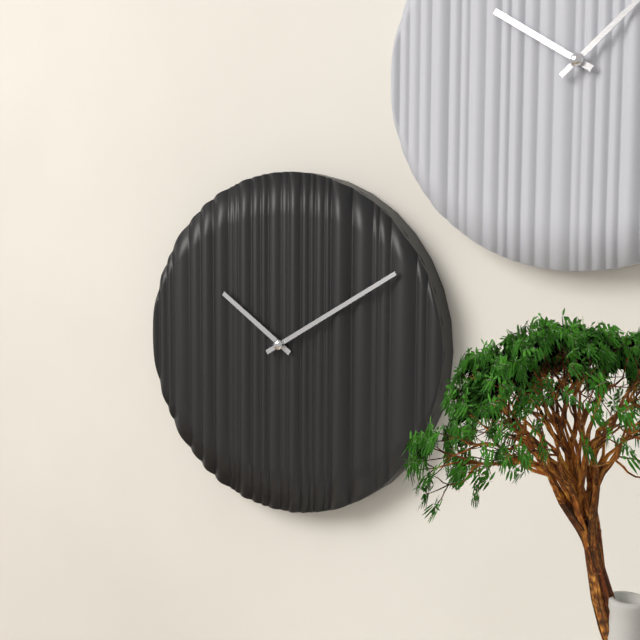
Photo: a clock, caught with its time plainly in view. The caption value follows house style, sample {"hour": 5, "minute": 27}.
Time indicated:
{"hour": 10, "minute": 10}
